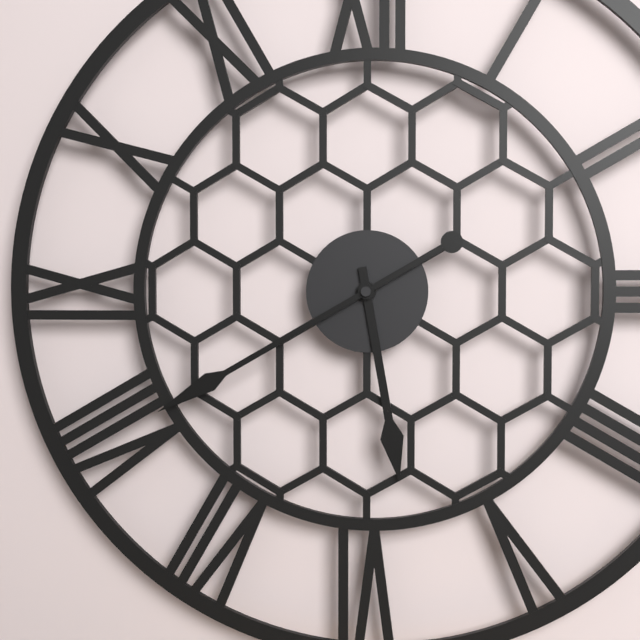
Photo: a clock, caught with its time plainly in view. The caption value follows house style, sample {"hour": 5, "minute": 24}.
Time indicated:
{"hour": 5, "minute": 40}
